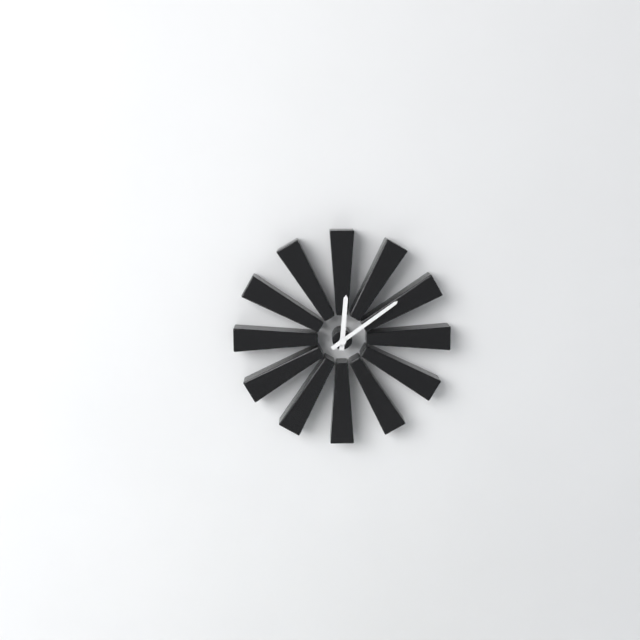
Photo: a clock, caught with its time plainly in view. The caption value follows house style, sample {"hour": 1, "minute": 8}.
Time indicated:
{"hour": 12, "minute": 9}
